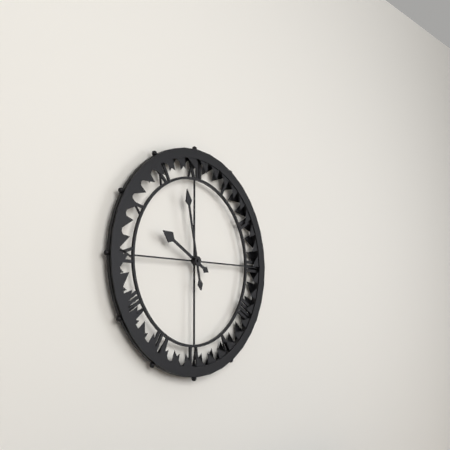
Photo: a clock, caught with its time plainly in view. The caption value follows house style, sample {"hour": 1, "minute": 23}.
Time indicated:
{"hour": 9, "minute": 58}
